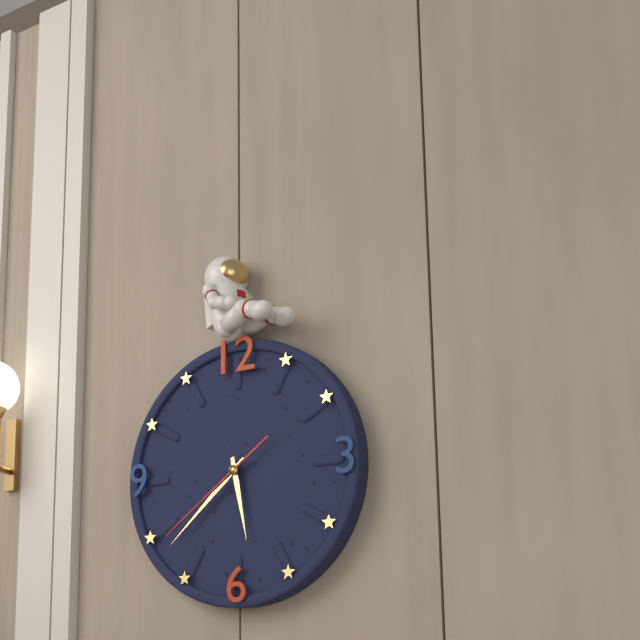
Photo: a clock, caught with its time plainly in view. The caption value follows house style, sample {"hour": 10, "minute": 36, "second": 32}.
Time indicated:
{"hour": 5, "minute": 38, "second": 39}
